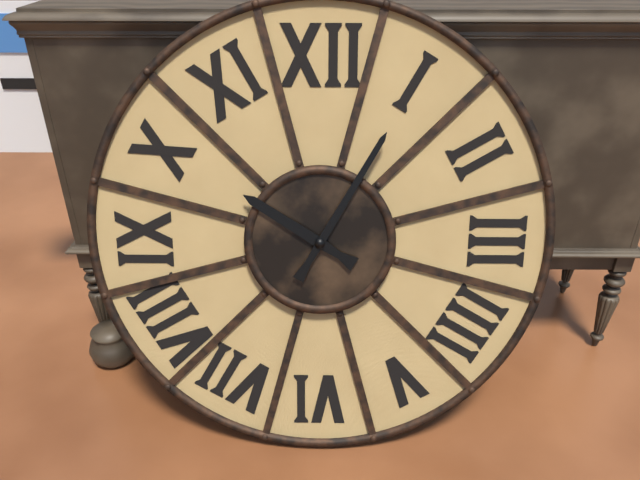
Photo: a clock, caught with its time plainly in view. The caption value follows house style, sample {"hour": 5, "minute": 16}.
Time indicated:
{"hour": 10, "minute": 5}
